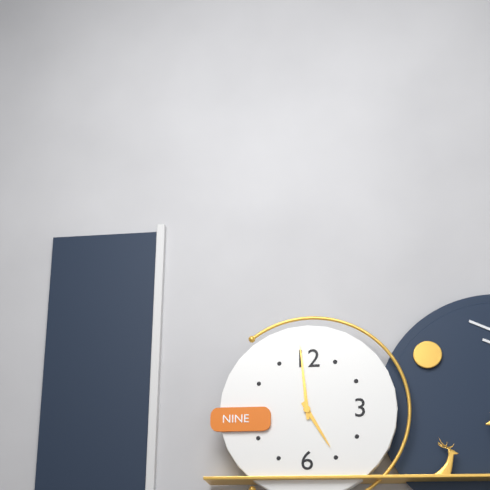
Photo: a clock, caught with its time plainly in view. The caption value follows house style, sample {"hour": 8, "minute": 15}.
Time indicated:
{"hour": 4, "minute": 59}
